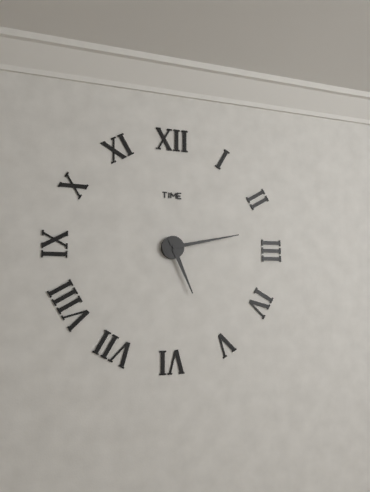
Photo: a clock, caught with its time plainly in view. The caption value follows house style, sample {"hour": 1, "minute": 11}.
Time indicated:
{"hour": 5, "minute": 13}
